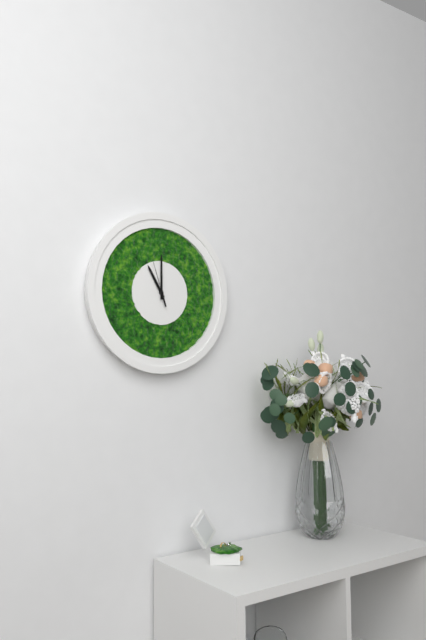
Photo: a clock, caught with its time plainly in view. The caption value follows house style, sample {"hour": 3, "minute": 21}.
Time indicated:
{"hour": 11, "minute": 0}
